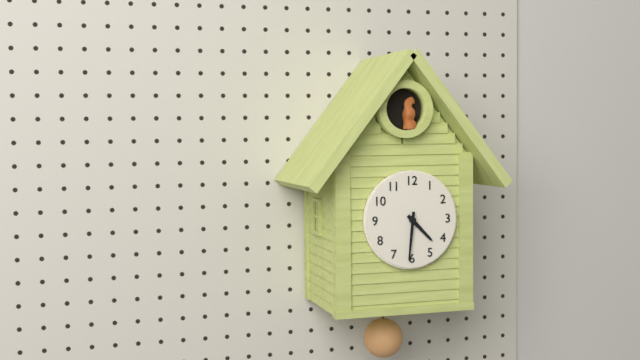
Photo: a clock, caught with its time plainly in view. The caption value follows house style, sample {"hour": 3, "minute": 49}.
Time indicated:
{"hour": 4, "minute": 31}
